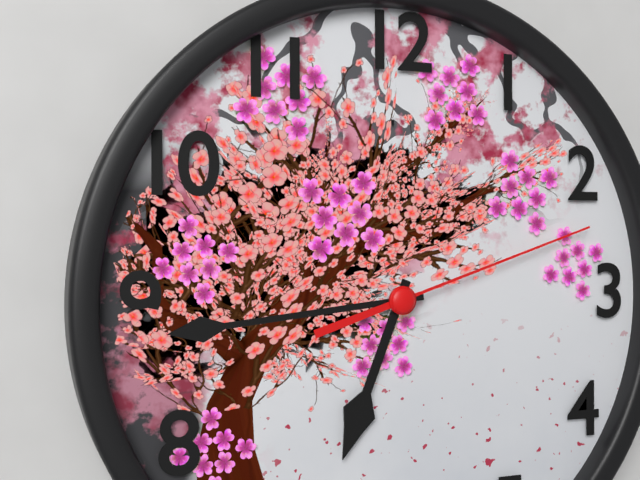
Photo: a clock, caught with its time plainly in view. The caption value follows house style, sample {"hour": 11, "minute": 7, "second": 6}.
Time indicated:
{"hour": 6, "minute": 44, "second": 12}
